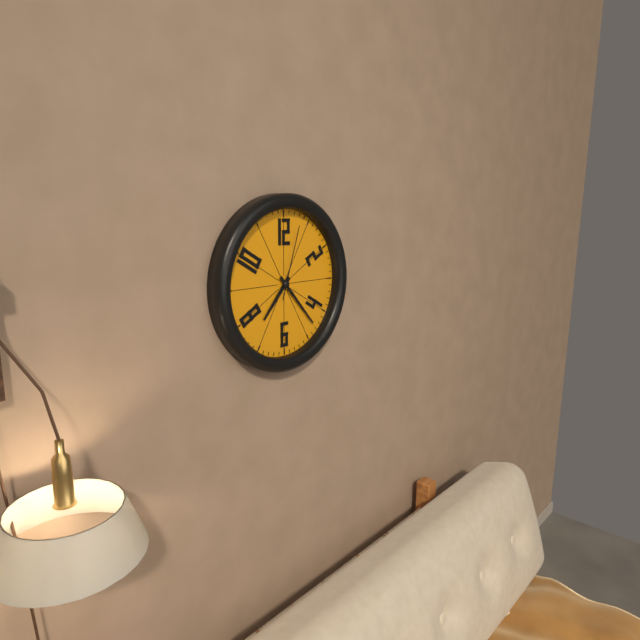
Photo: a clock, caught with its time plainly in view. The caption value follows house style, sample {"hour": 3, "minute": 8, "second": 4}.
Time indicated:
{"hour": 7, "minute": 23, "second": 3}
